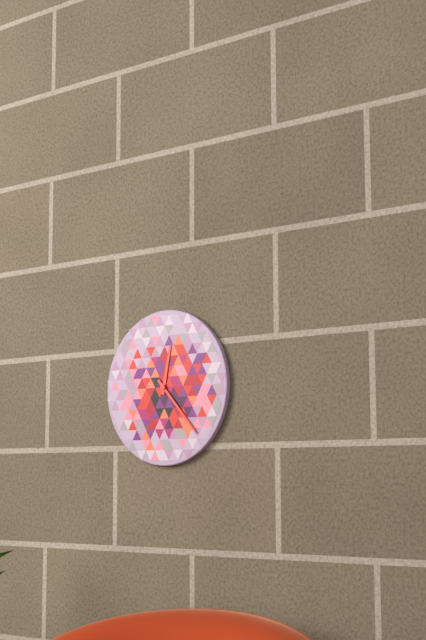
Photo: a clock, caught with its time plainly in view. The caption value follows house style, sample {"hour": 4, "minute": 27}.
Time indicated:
{"hour": 12, "minute": 23}
